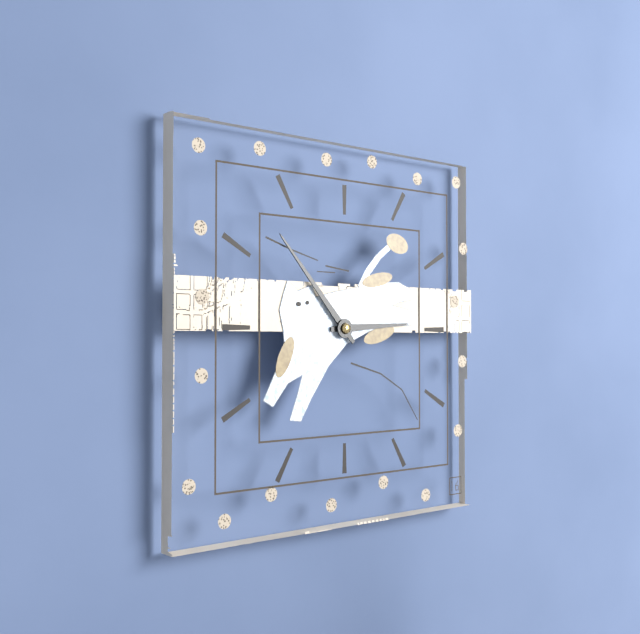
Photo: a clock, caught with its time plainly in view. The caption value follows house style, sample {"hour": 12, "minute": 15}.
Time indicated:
{"hour": 2, "minute": 53}
